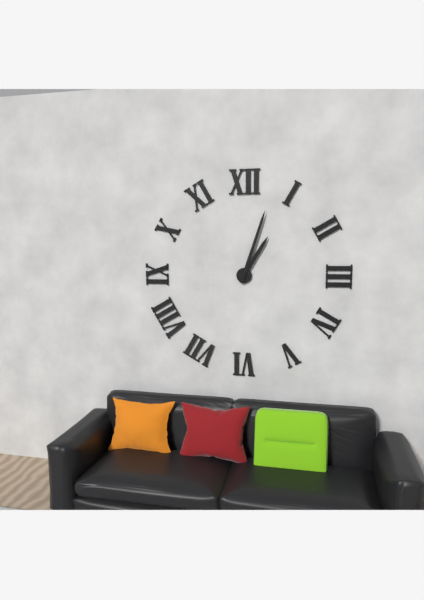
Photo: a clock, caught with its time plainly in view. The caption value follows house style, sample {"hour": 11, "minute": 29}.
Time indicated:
{"hour": 1, "minute": 3}
